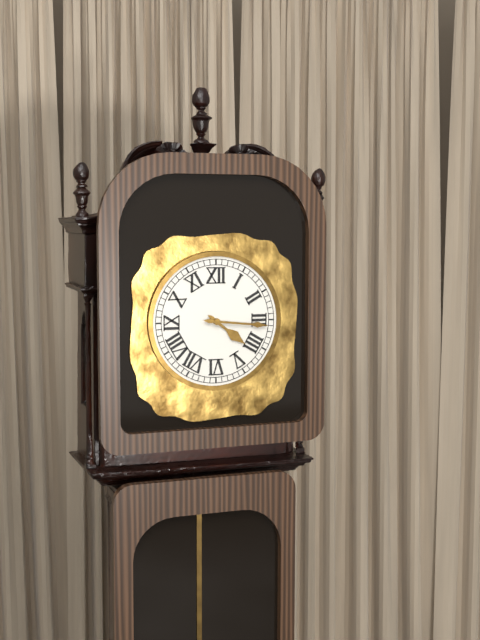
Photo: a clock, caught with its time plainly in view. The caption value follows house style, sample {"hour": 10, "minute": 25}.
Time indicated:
{"hour": 4, "minute": 16}
